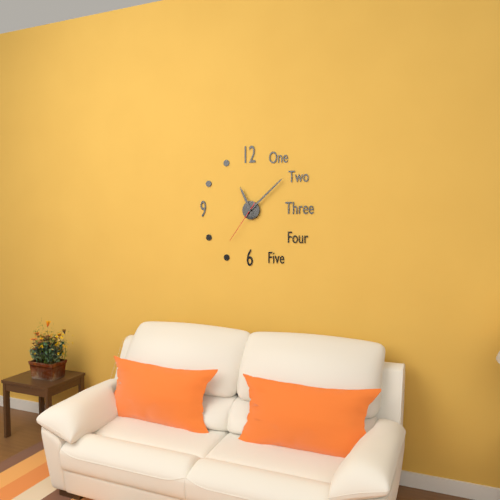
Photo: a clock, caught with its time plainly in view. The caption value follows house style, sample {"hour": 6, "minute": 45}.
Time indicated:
{"hour": 11, "minute": 8}
